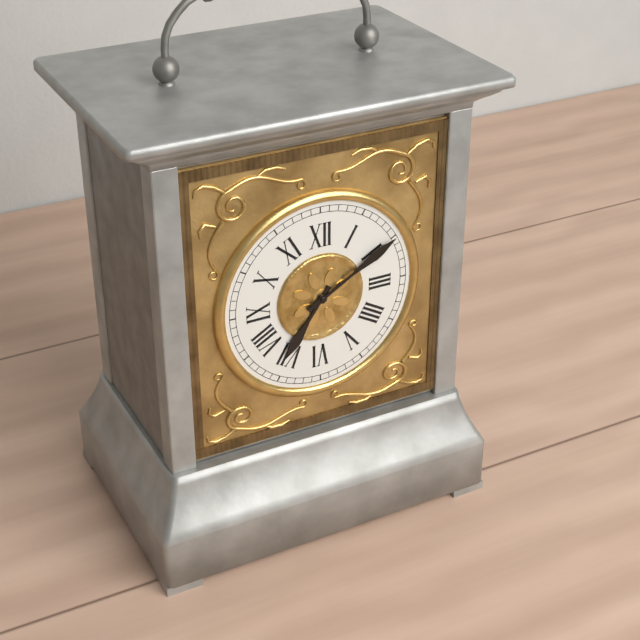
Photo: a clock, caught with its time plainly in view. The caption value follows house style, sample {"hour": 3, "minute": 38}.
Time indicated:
{"hour": 7, "minute": 10}
